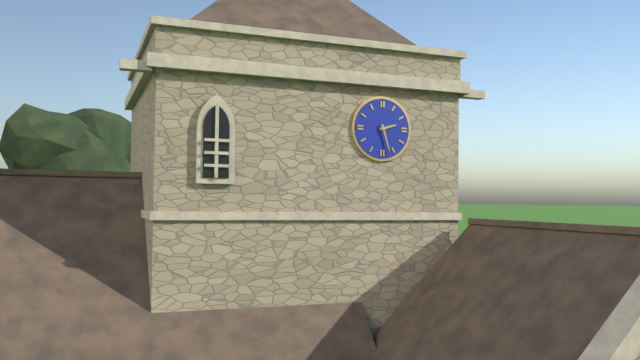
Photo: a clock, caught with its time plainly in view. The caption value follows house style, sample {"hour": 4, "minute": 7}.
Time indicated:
{"hour": 2, "minute": 27}
